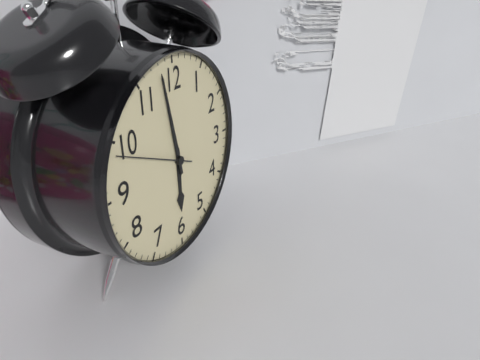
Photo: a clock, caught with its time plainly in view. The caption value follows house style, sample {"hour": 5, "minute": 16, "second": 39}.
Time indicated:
{"hour": 5, "minute": 58, "second": 49}
